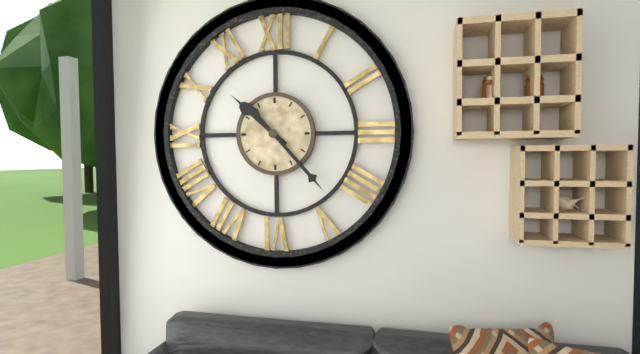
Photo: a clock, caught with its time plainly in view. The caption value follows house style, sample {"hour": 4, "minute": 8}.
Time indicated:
{"hour": 10, "minute": 23}
